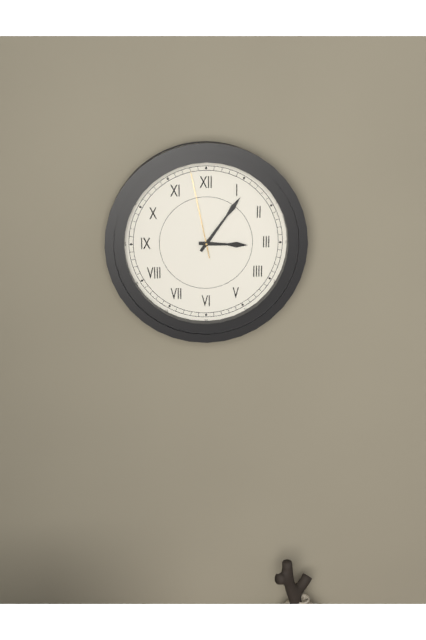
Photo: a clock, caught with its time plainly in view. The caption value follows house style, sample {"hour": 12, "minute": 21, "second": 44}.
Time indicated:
{"hour": 3, "minute": 6, "second": 58}
